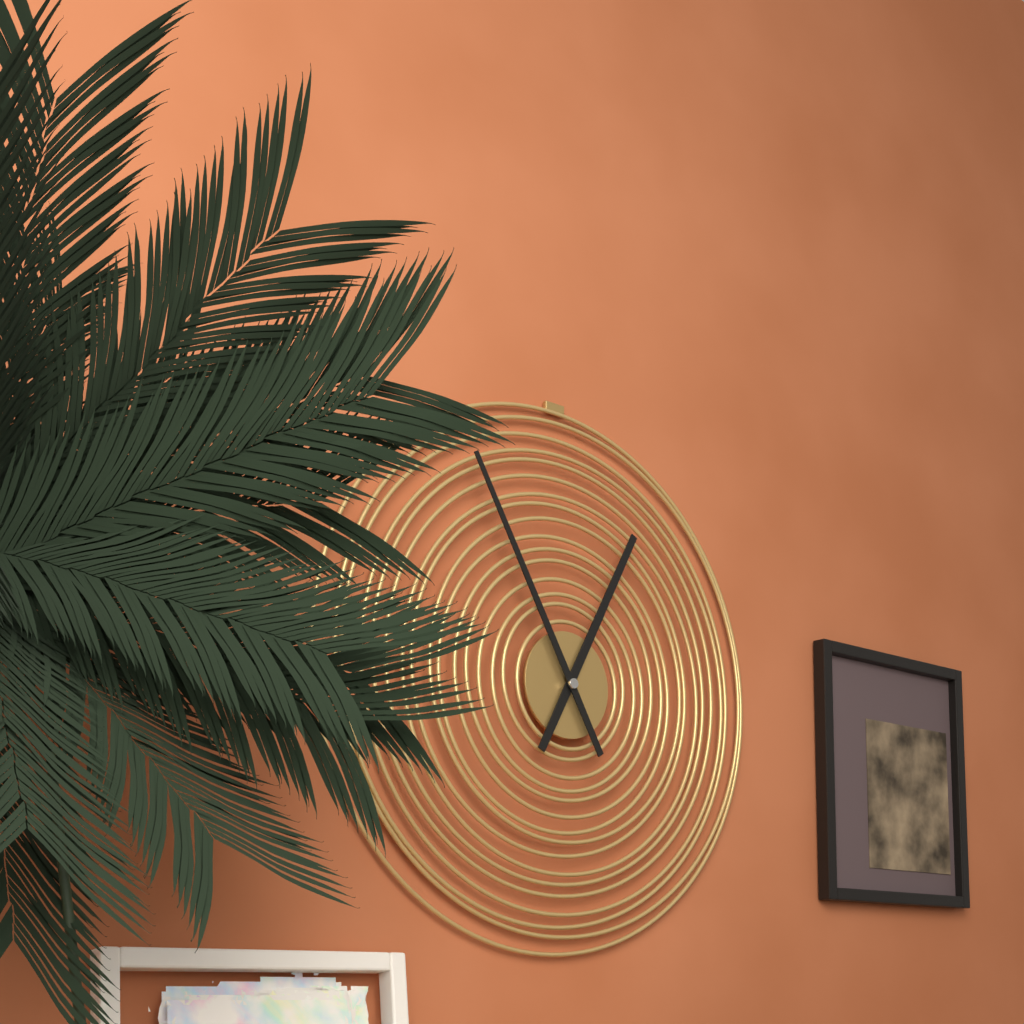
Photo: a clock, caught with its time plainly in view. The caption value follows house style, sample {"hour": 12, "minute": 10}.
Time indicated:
{"hour": 12, "minute": 55}
